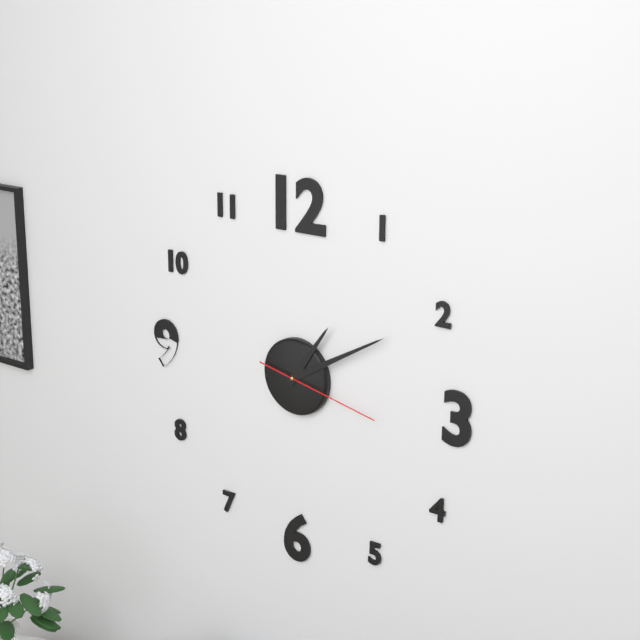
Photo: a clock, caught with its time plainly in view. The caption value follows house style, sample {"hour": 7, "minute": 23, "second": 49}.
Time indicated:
{"hour": 1, "minute": 10, "second": 17}
